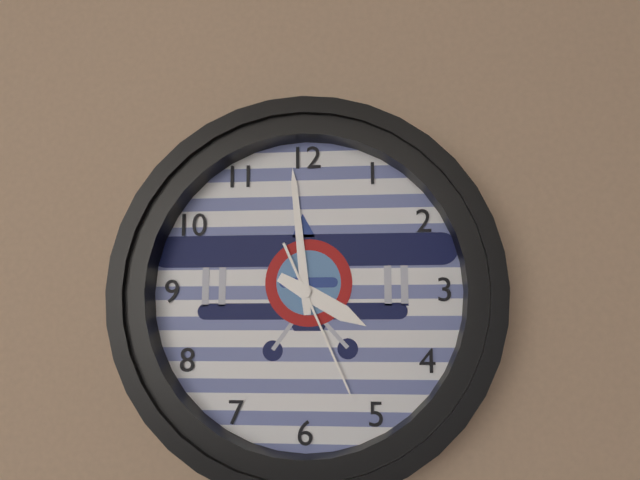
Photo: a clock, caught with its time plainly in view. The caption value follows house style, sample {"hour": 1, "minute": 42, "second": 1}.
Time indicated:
{"hour": 3, "minute": 59, "second": 26}
